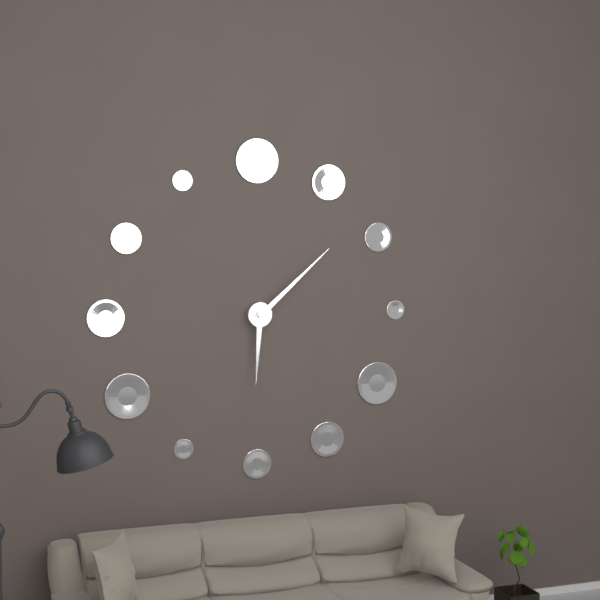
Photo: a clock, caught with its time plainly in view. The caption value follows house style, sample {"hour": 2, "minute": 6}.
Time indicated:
{"hour": 6, "minute": 8}
